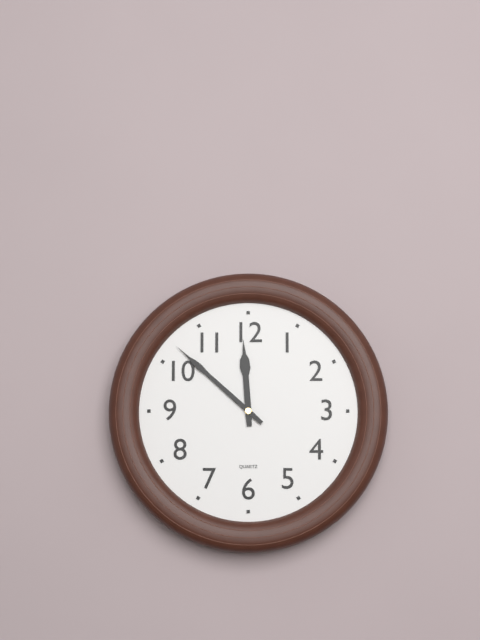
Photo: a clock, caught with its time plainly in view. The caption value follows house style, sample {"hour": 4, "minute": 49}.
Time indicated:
{"hour": 11, "minute": 52}
